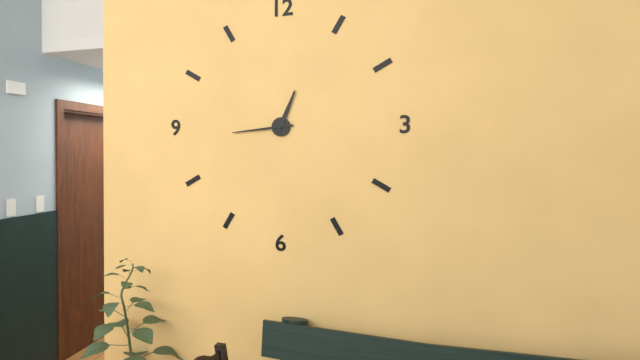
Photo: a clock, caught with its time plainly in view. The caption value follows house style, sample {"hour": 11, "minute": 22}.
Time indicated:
{"hour": 12, "minute": 44}
